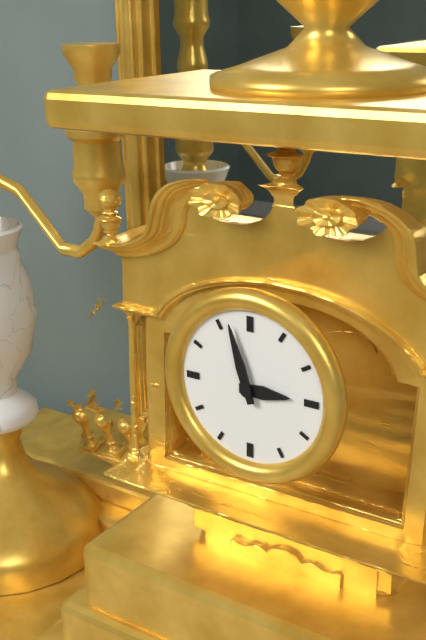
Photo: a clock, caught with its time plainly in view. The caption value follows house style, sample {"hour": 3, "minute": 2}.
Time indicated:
{"hour": 2, "minute": 57}
